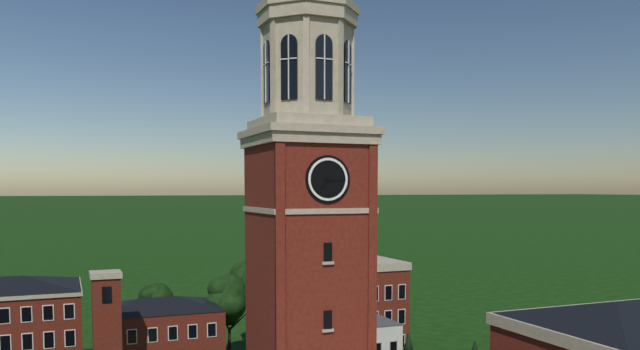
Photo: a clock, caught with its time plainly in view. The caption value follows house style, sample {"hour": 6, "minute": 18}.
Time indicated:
{"hour": 7, "minute": 15}
